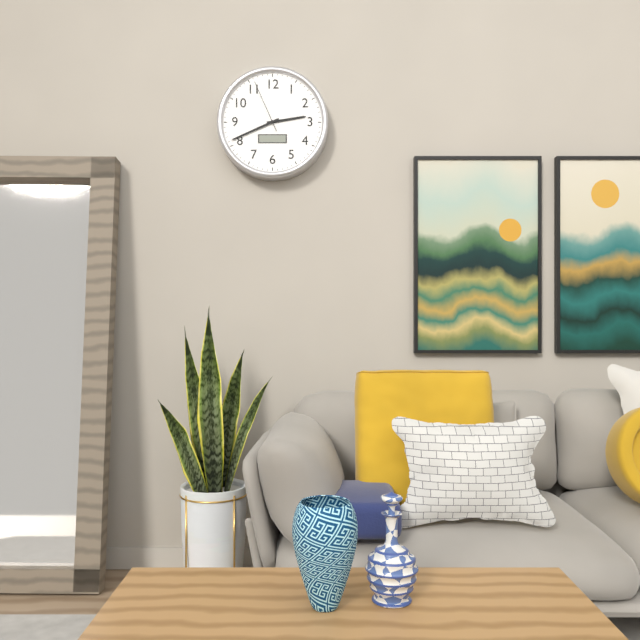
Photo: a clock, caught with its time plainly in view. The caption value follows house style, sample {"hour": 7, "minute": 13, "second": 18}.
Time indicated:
{"hour": 2, "minute": 41, "second": 56}
